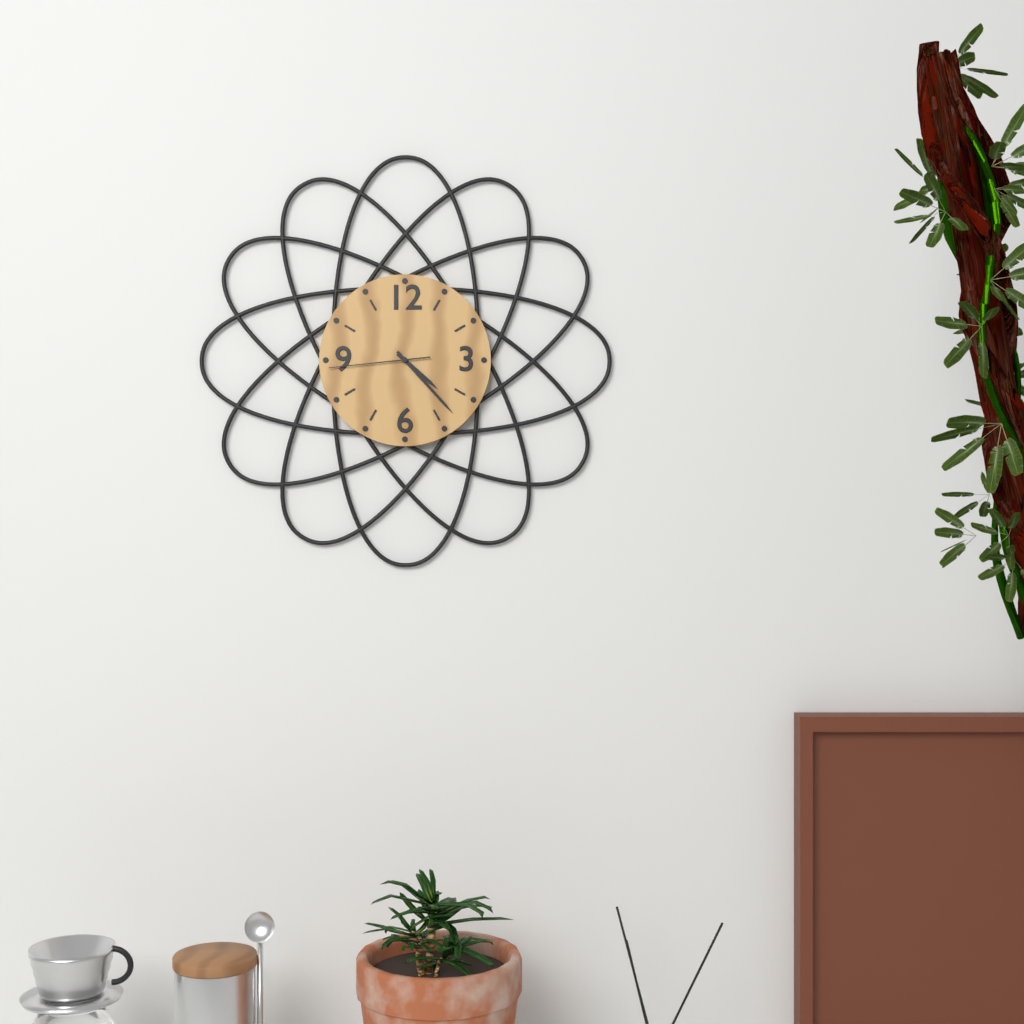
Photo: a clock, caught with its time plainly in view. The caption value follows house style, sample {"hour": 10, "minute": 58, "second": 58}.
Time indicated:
{"hour": 4, "minute": 23, "second": 44}
